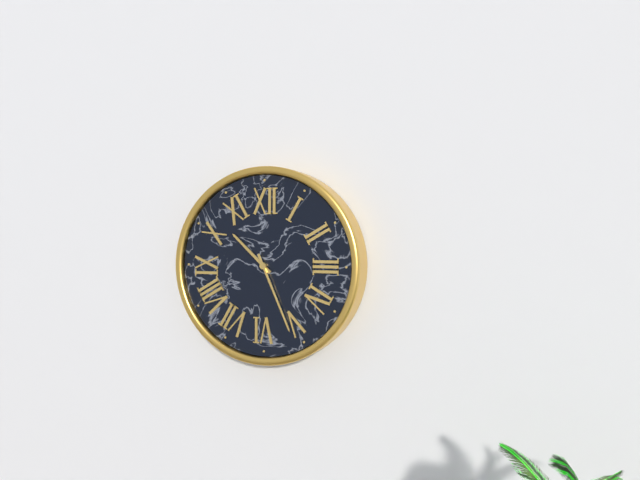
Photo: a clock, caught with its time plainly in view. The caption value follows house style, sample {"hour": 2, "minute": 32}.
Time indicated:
{"hour": 10, "minute": 26}
